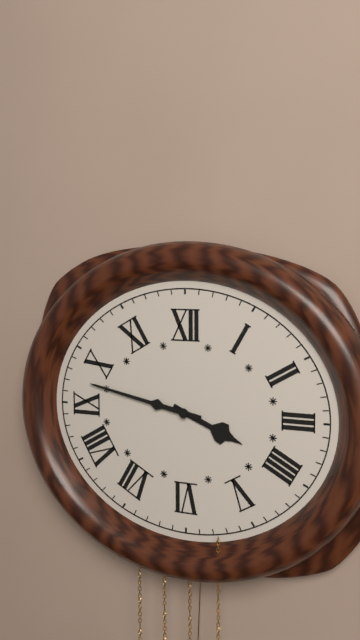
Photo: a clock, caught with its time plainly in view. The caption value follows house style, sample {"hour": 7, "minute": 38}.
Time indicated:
{"hour": 3, "minute": 47}
